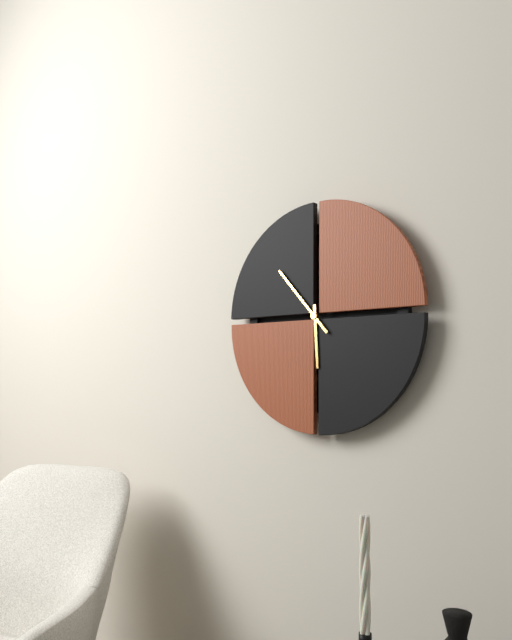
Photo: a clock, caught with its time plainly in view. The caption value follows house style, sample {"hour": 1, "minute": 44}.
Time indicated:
{"hour": 5, "minute": 53}
